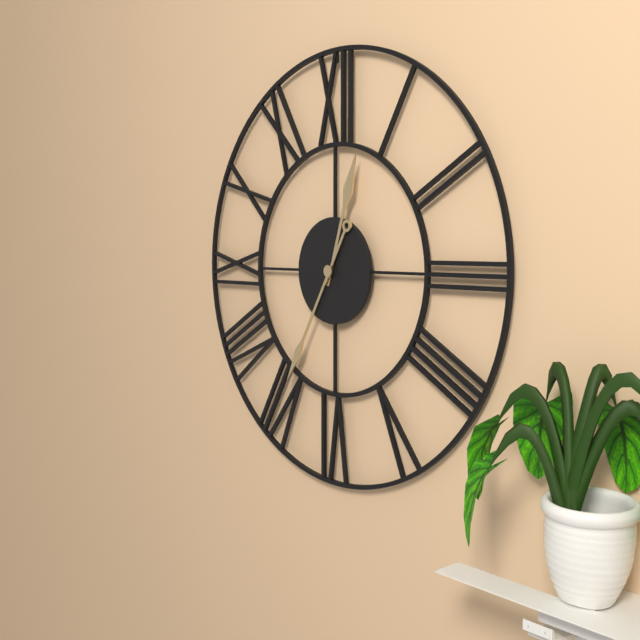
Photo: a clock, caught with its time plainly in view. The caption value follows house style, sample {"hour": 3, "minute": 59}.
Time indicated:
{"hour": 12, "minute": 35}
